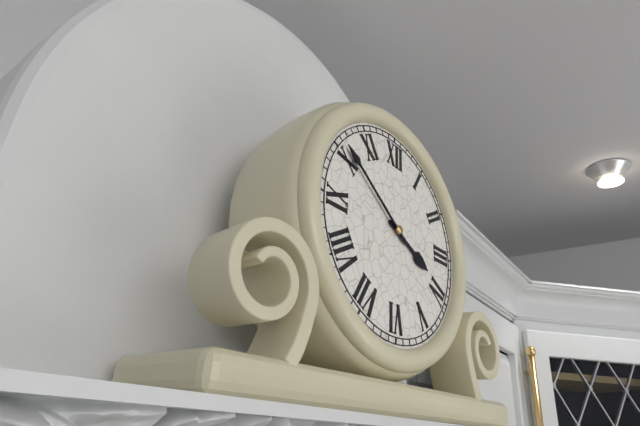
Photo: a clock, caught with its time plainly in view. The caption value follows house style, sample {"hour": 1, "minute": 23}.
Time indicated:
{"hour": 3, "minute": 51}
